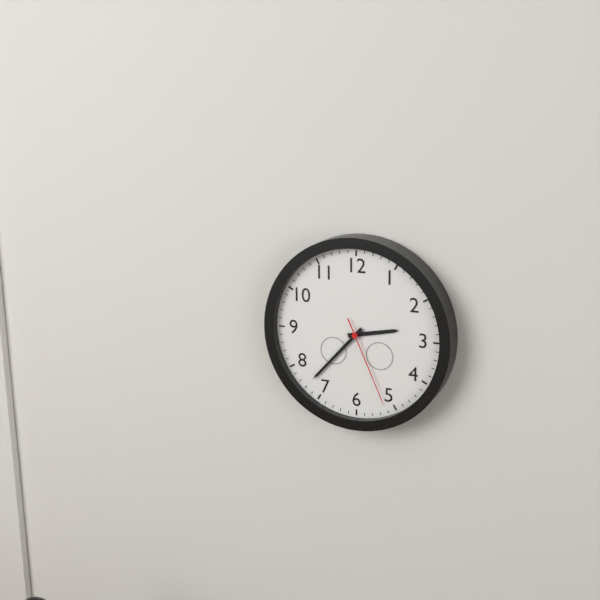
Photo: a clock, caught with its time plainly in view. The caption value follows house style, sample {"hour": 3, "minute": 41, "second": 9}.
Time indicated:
{"hour": 2, "minute": 37, "second": 26}
